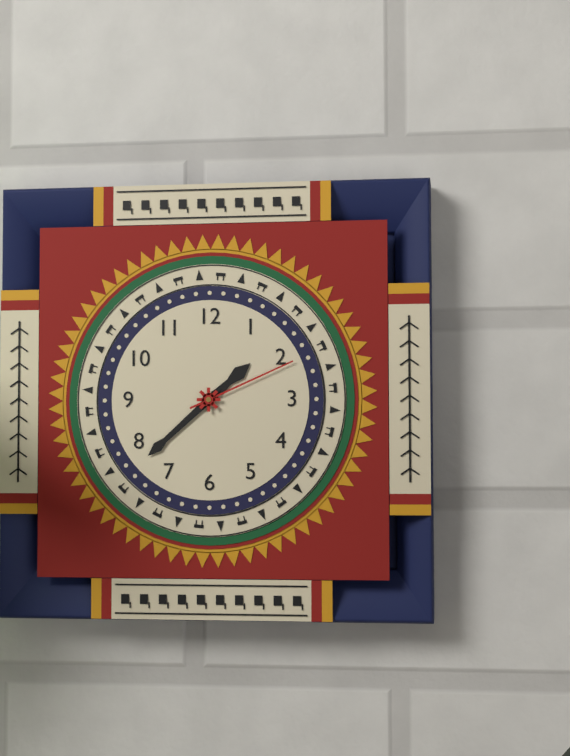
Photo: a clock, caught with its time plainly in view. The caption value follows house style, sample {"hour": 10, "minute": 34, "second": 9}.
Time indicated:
{"hour": 1, "minute": 38, "second": 11}
